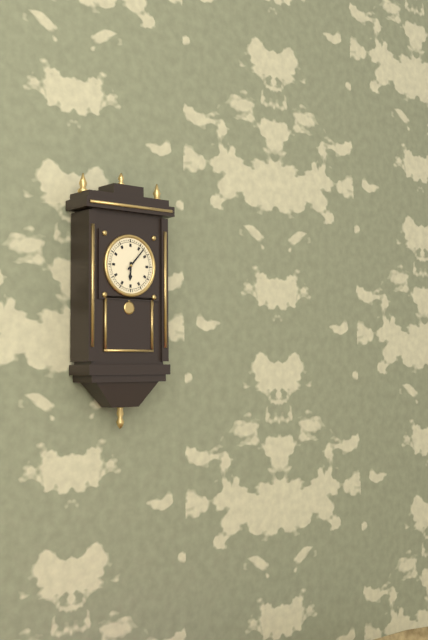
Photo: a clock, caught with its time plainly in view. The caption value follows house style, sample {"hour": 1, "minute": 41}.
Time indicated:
{"hour": 6, "minute": 7}
